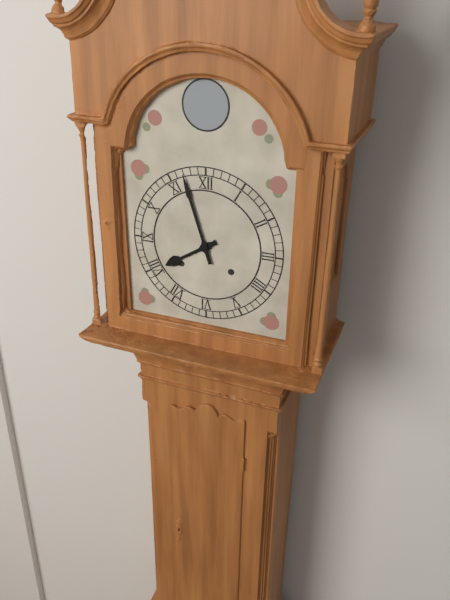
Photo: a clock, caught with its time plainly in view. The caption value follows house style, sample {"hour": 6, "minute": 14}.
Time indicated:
{"hour": 7, "minute": 57}
